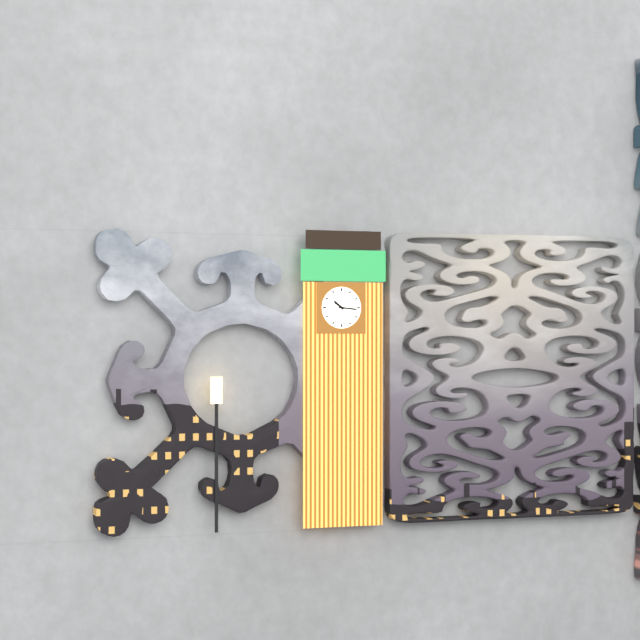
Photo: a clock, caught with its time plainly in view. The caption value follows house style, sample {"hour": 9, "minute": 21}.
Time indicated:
{"hour": 10, "minute": 16}
